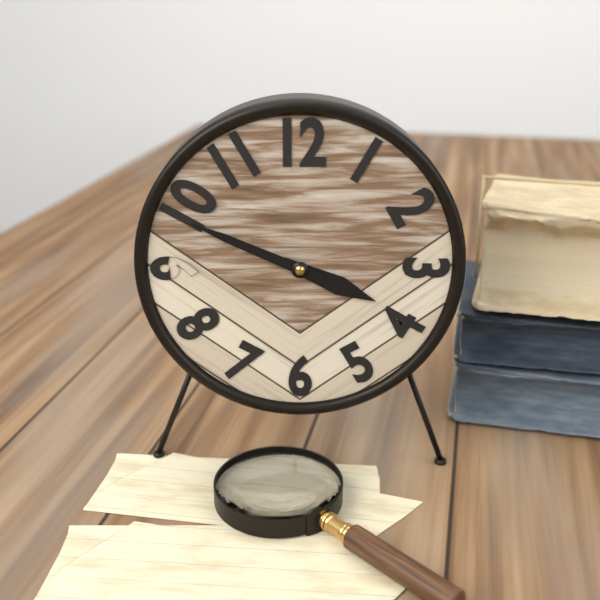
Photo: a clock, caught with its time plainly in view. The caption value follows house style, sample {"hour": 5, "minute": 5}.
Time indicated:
{"hour": 3, "minute": 49}
